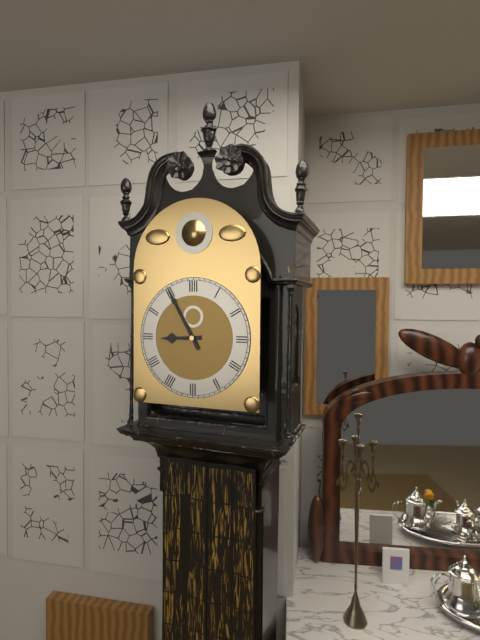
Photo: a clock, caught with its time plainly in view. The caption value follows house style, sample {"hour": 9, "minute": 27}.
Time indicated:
{"hour": 8, "minute": 55}
